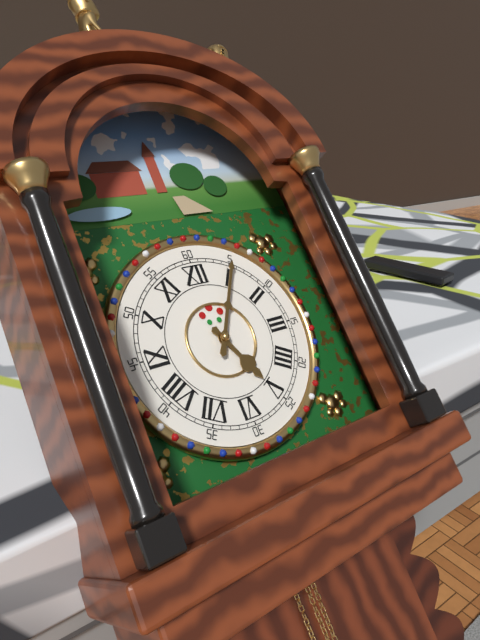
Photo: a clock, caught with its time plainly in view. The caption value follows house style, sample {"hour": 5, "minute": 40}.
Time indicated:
{"hour": 5, "minute": 5}
